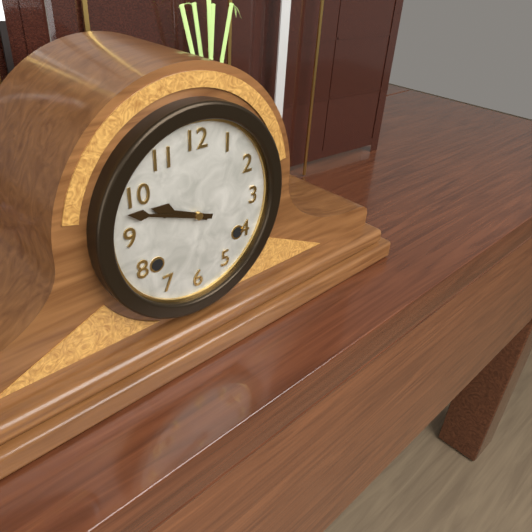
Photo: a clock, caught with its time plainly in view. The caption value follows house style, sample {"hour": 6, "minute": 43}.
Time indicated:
{"hour": 9, "minute": 48}
